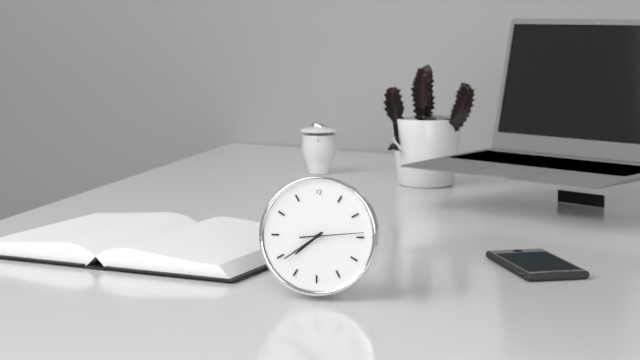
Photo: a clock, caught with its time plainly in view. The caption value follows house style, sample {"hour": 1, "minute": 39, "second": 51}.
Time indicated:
{"hour": 7, "minute": 39, "second": 14}
